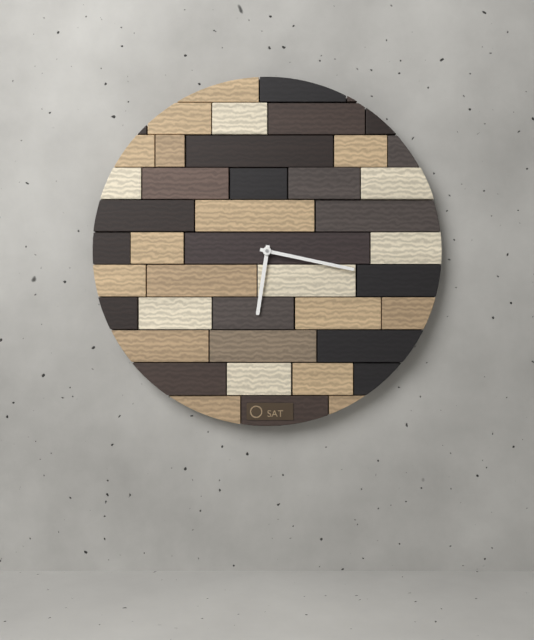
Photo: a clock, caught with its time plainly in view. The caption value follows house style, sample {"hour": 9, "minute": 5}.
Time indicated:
{"hour": 6, "minute": 17}
